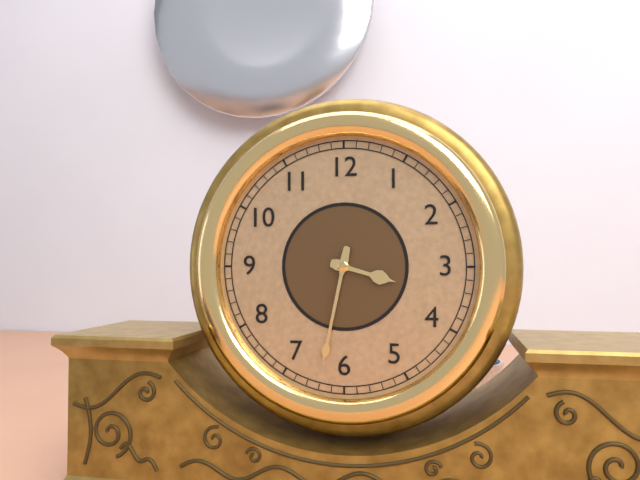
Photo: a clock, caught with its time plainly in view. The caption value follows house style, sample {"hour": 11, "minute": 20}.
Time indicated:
{"hour": 3, "minute": 32}
